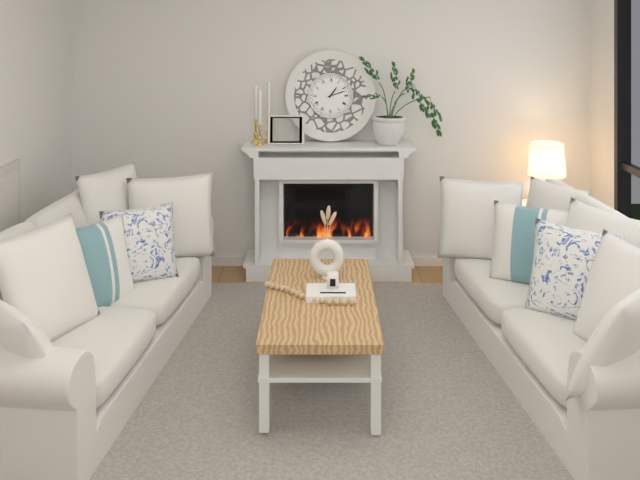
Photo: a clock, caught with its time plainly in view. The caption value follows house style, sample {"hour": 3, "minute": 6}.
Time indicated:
{"hour": 1, "minute": 12}
